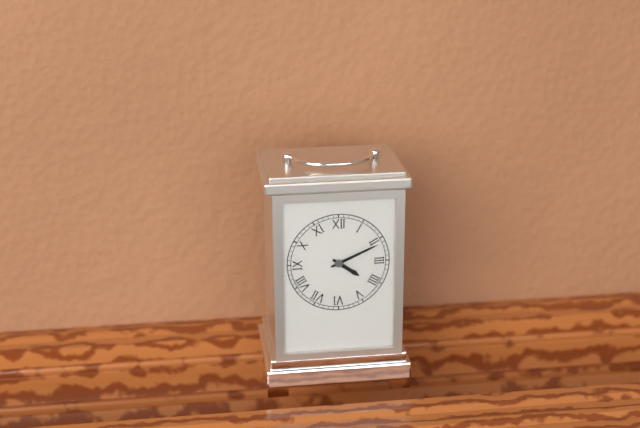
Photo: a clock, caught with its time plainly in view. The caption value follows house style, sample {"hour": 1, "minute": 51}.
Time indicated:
{"hour": 4, "minute": 11}
